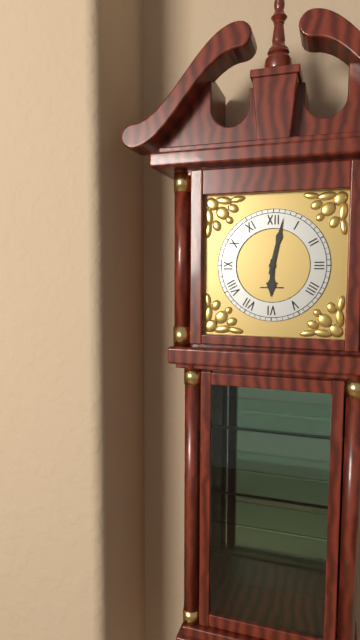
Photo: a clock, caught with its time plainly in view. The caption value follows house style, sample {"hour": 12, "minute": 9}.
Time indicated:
{"hour": 6, "minute": 2}
